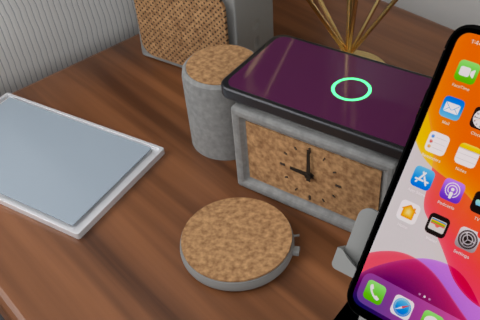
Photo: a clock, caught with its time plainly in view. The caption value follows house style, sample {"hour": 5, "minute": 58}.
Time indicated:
{"hour": 9, "minute": 0}
